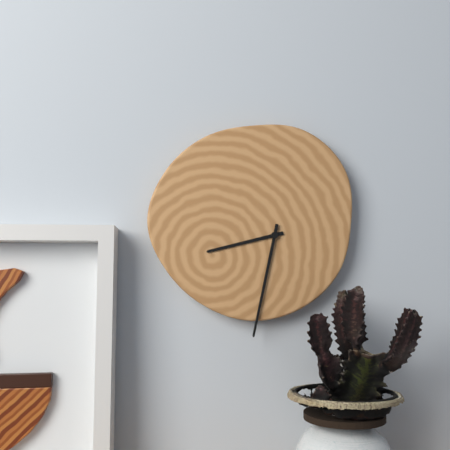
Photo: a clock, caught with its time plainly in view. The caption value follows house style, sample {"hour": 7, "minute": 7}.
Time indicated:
{"hour": 8, "minute": 32}
